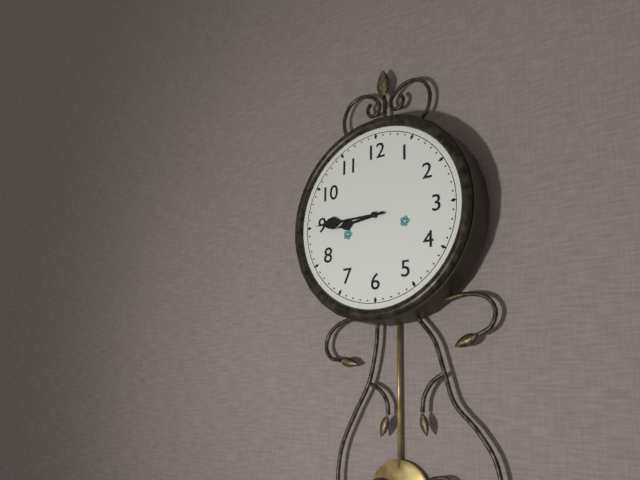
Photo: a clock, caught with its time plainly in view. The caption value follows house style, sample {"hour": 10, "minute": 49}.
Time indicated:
{"hour": 8, "minute": 45}
